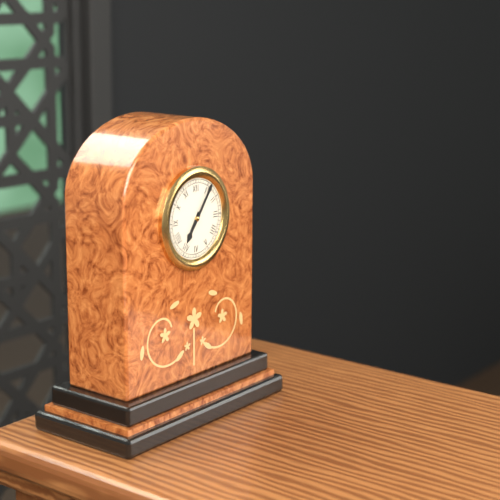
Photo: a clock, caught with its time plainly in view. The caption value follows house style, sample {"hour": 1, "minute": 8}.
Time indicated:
{"hour": 7, "minute": 6}
